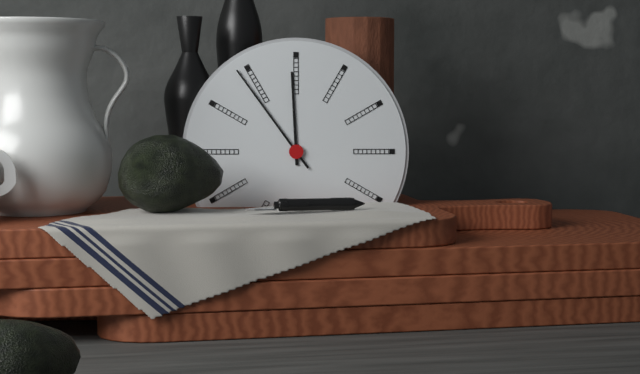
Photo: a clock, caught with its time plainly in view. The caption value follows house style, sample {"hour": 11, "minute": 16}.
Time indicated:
{"hour": 11, "minute": 54}
